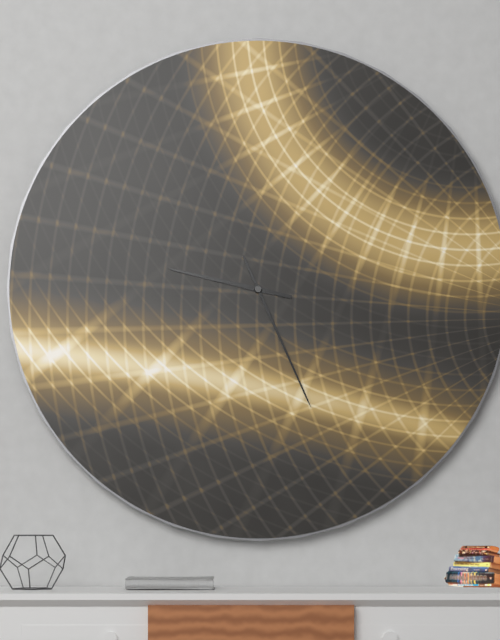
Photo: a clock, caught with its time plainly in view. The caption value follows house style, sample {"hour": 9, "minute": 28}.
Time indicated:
{"hour": 9, "minute": 26}
